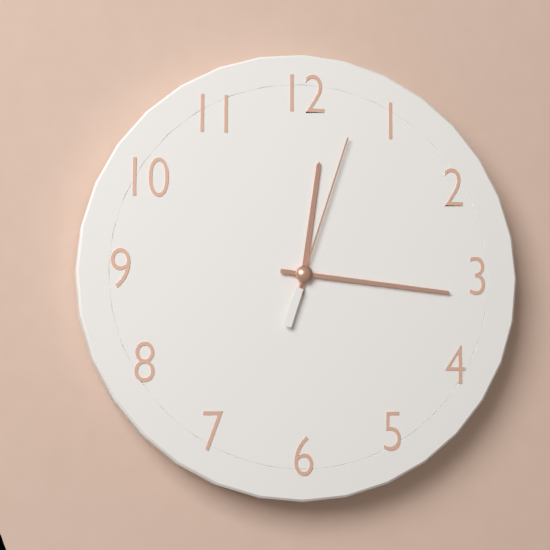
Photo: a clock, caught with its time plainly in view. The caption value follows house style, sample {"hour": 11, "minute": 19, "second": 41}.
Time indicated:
{"hour": 12, "minute": 16, "second": 3}
